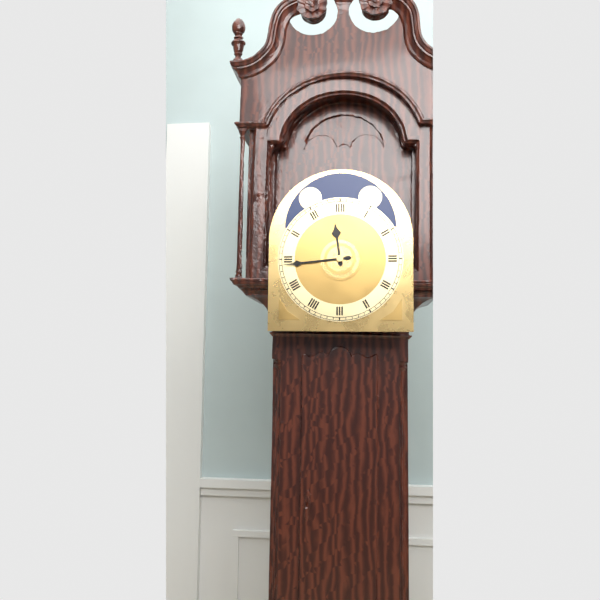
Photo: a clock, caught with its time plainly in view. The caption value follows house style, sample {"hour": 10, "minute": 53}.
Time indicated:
{"hour": 11, "minute": 44}
